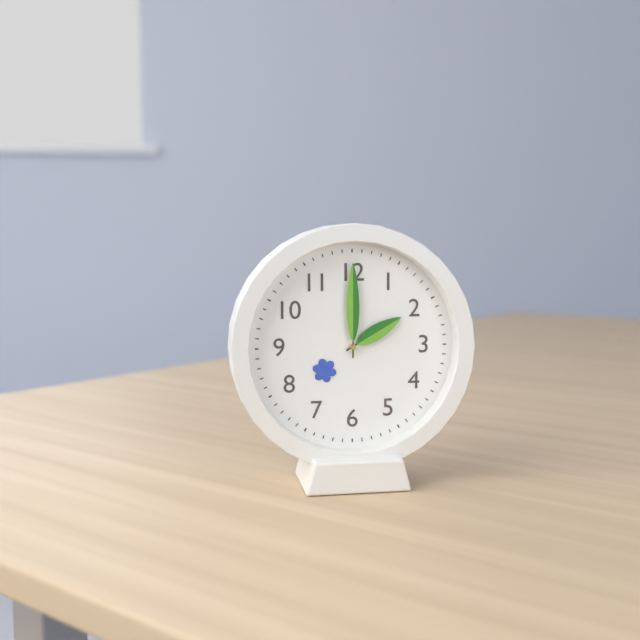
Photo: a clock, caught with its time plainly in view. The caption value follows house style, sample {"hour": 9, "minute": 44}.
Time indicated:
{"hour": 2, "minute": 0}
